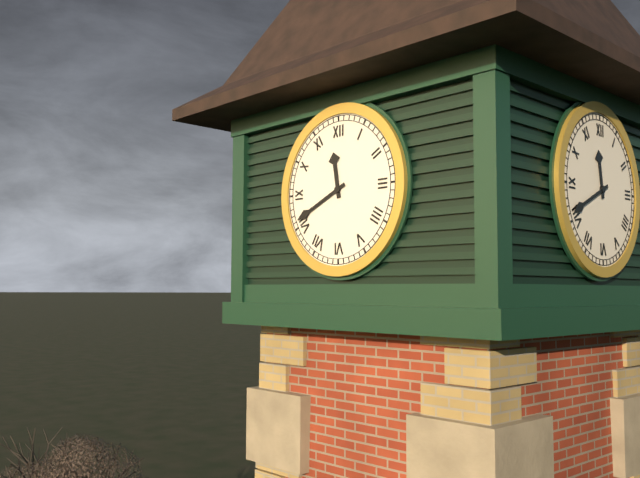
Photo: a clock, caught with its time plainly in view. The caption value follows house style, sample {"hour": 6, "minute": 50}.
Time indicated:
{"hour": 11, "minute": 41}
